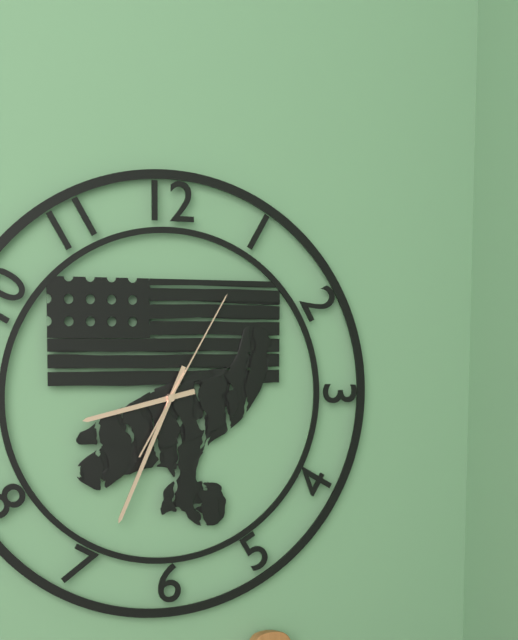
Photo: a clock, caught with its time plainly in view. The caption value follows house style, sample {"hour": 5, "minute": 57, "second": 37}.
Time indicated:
{"hour": 8, "minute": 34, "second": 5}
